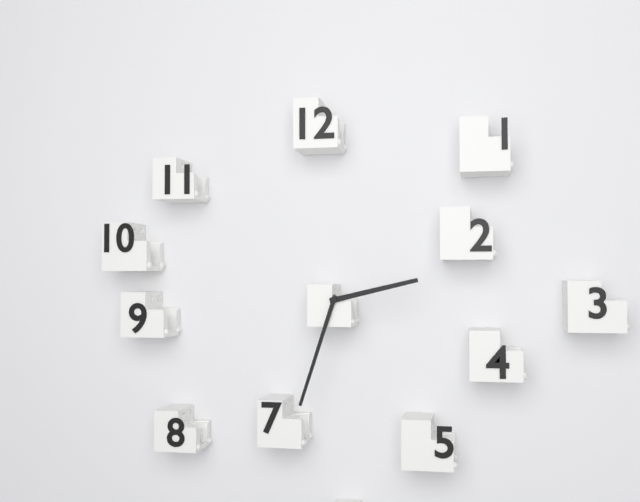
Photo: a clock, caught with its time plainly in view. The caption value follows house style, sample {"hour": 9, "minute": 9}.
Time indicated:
{"hour": 2, "minute": 33}
